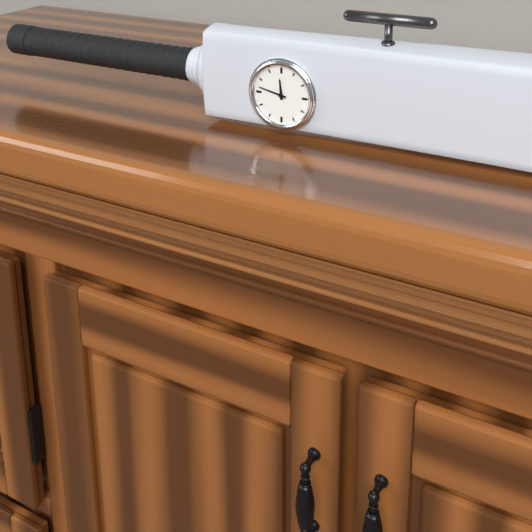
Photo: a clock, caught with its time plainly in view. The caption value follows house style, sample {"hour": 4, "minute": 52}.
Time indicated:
{"hour": 11, "minute": 47}
